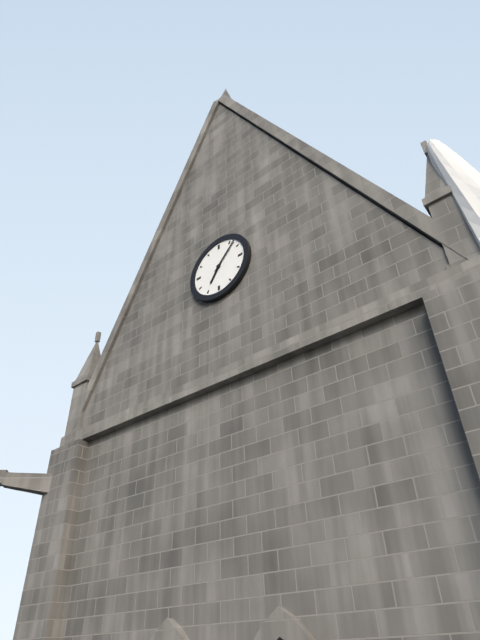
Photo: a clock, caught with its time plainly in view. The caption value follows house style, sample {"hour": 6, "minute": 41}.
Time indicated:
{"hour": 7, "minute": 7}
